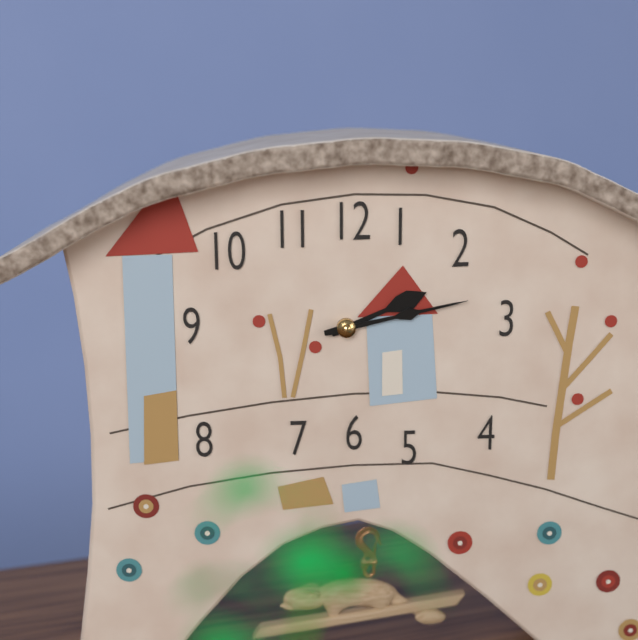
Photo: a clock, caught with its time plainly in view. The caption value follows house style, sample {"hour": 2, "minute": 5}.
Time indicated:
{"hour": 2, "minute": 13}
